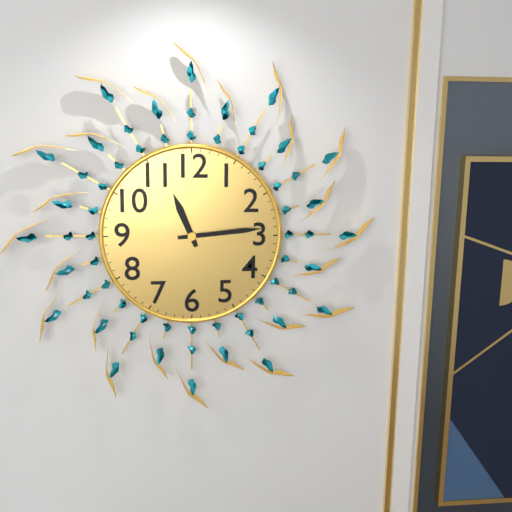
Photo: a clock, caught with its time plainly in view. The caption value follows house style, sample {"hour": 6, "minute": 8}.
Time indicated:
{"hour": 11, "minute": 14}
